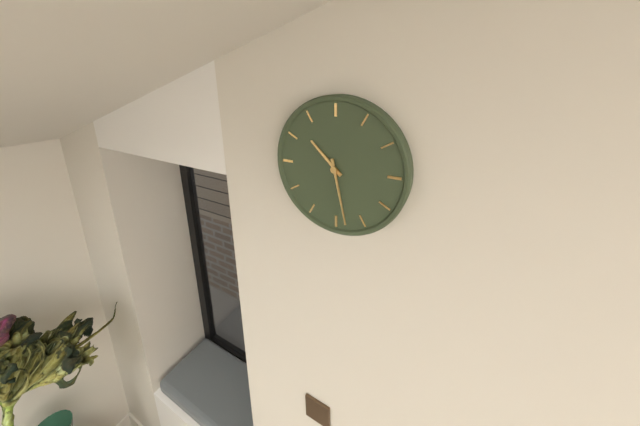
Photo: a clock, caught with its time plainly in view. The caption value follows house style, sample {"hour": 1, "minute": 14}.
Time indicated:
{"hour": 10, "minute": 28}
